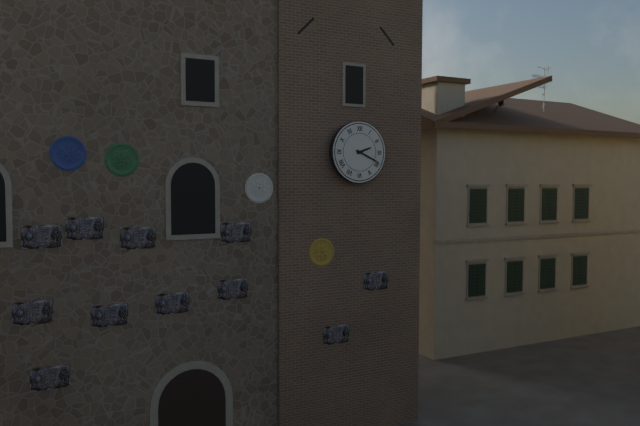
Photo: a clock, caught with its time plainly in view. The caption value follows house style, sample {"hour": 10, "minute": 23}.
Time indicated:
{"hour": 2, "minute": 19}
